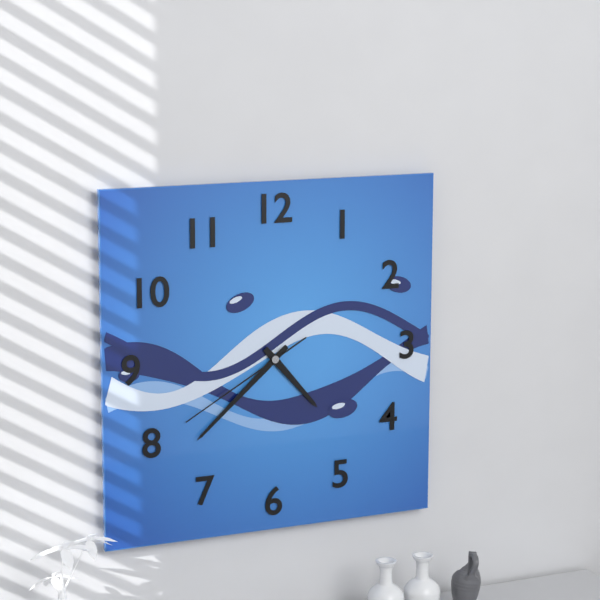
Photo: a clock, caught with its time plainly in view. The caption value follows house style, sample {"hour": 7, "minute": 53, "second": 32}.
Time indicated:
{"hour": 4, "minute": 38, "second": 40}
